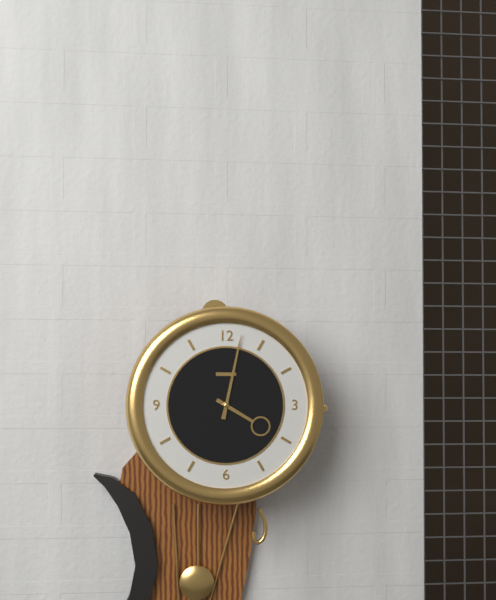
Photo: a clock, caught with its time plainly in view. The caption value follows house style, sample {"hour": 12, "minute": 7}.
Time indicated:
{"hour": 4, "minute": 2}
